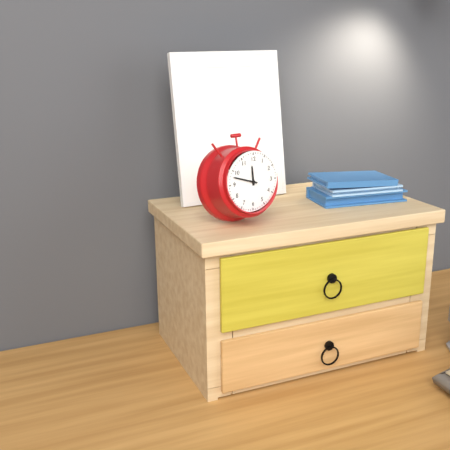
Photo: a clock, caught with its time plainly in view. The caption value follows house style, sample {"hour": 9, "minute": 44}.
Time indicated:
{"hour": 11, "minute": 48}
